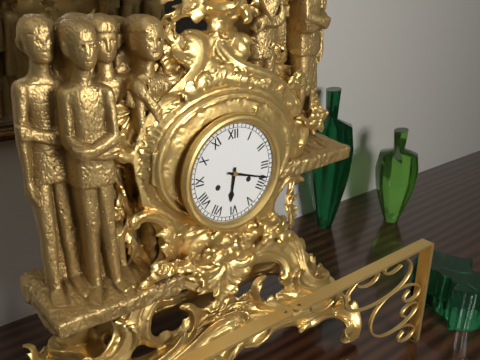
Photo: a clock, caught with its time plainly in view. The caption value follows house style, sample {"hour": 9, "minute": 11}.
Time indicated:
{"hour": 6, "minute": 18}
